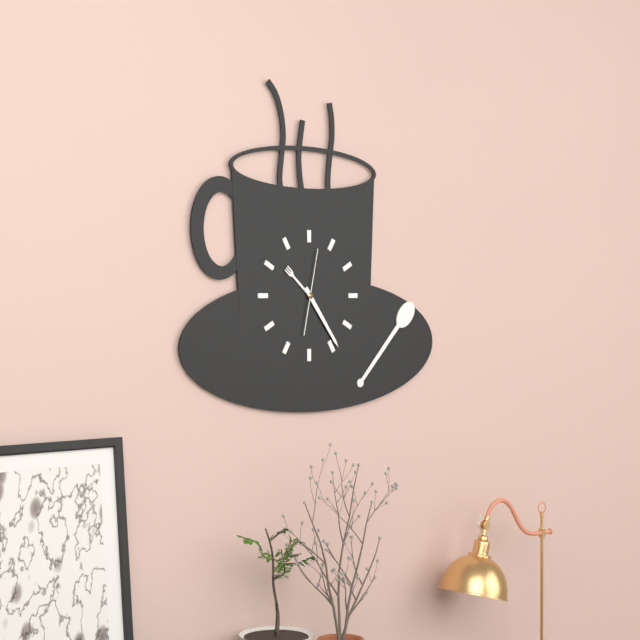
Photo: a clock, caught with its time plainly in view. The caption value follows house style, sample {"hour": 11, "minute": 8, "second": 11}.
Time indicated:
{"hour": 10, "minute": 24, "second": 2}
